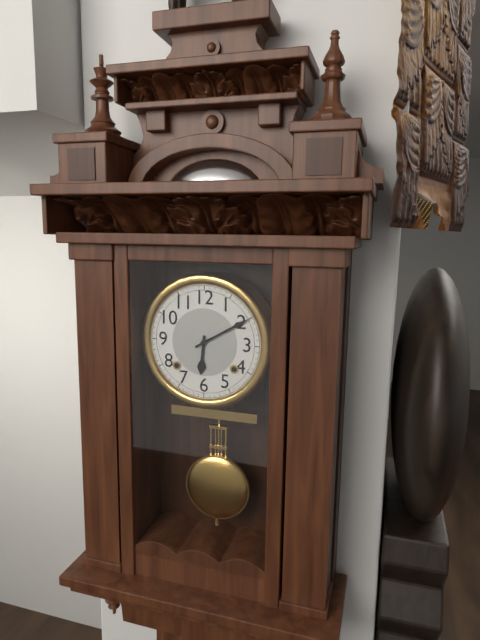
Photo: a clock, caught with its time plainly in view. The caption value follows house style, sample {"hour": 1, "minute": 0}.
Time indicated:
{"hour": 6, "minute": 10}
